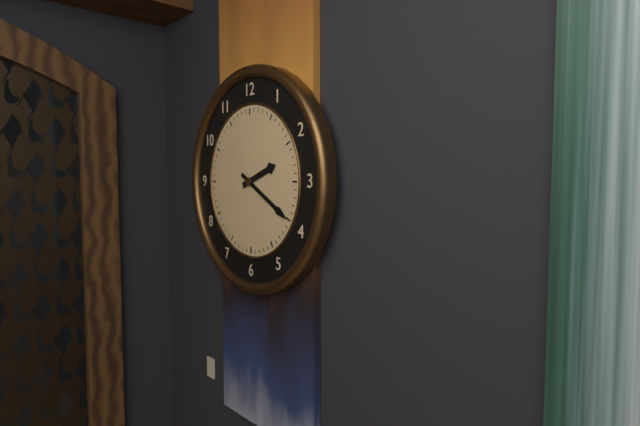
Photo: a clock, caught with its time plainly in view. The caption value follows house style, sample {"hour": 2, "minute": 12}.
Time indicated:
{"hour": 2, "minute": 20}
